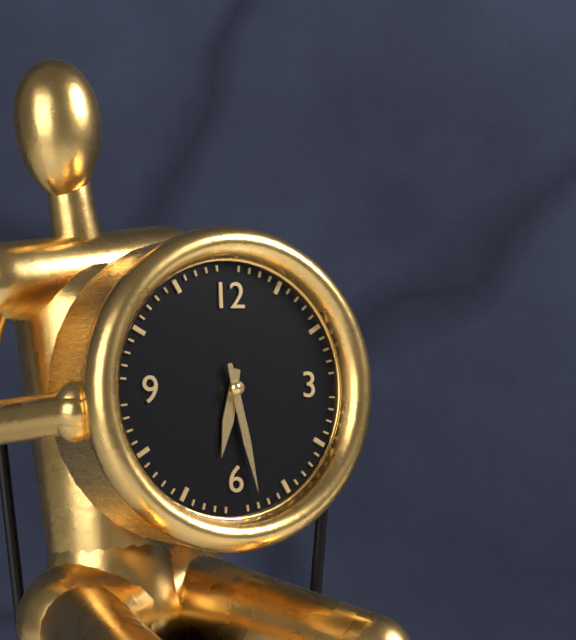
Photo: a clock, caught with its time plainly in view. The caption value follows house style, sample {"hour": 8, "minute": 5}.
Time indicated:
{"hour": 6, "minute": 28}
